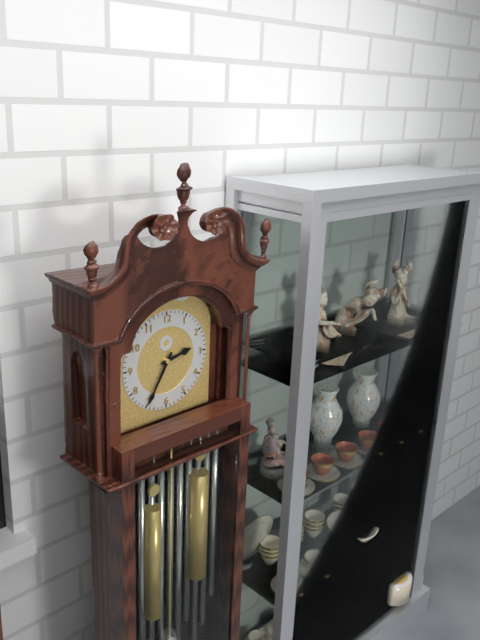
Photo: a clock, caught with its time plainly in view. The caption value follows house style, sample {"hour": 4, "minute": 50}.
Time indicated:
{"hour": 2, "minute": 35}
